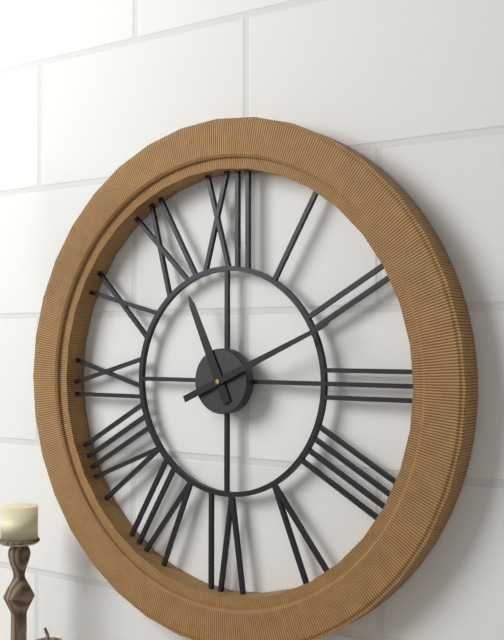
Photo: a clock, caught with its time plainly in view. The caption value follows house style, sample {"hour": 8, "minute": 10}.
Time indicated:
{"hour": 11, "minute": 11}
